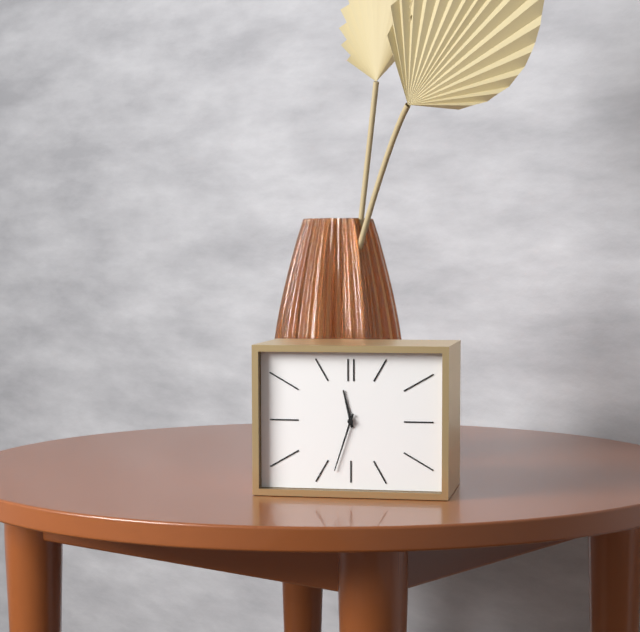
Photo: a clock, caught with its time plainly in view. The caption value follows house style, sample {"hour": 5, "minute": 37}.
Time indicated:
{"hour": 11, "minute": 33}
